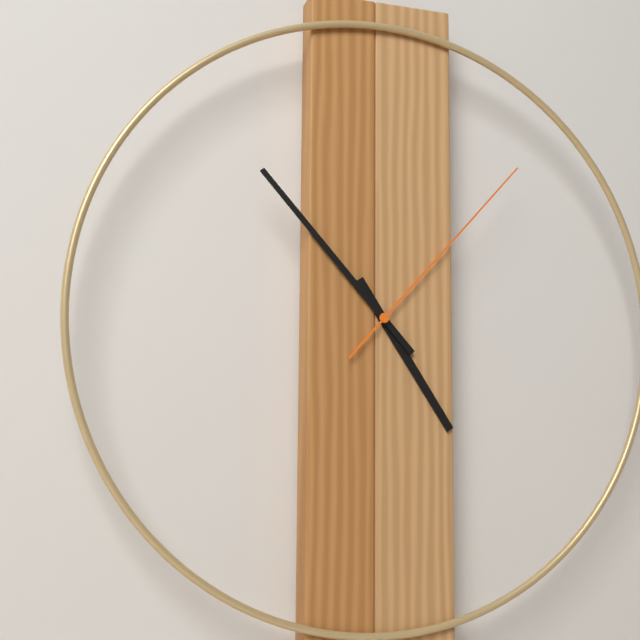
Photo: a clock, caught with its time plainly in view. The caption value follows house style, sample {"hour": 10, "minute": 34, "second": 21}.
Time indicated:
{"hour": 4, "minute": 53, "second": 7}
